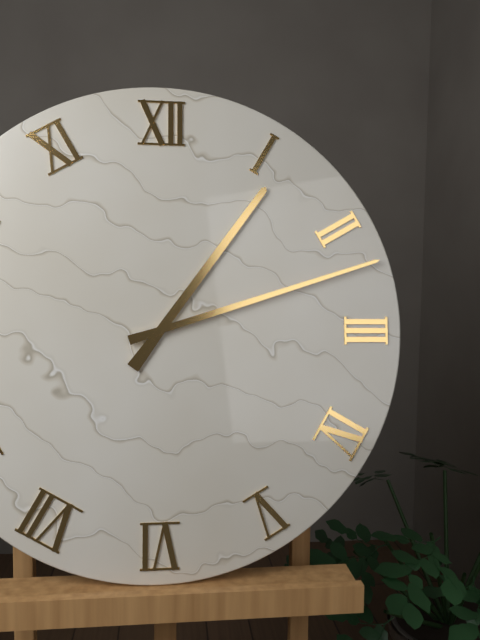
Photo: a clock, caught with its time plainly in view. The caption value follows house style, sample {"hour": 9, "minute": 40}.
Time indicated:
{"hour": 1, "minute": 12}
